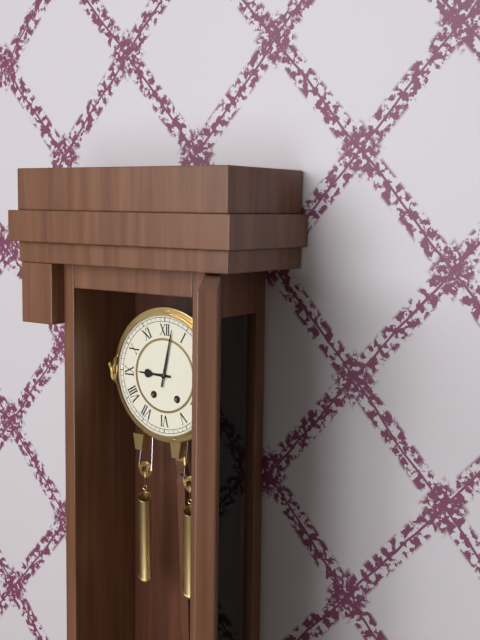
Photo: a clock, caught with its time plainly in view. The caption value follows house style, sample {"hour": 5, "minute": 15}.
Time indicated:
{"hour": 9, "minute": 2}
